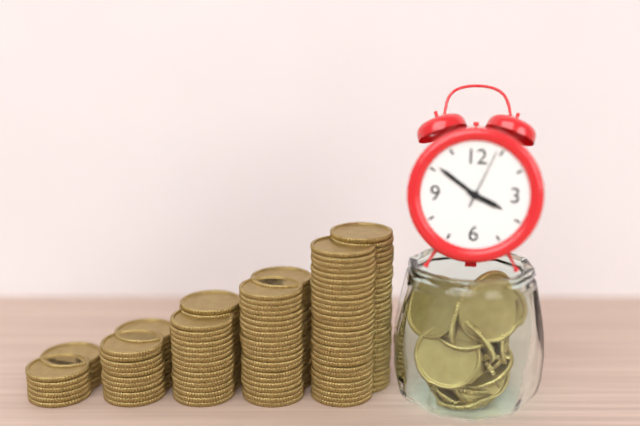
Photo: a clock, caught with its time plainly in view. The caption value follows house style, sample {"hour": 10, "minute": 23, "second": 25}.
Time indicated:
{"hour": 3, "minute": 51, "second": 4}
